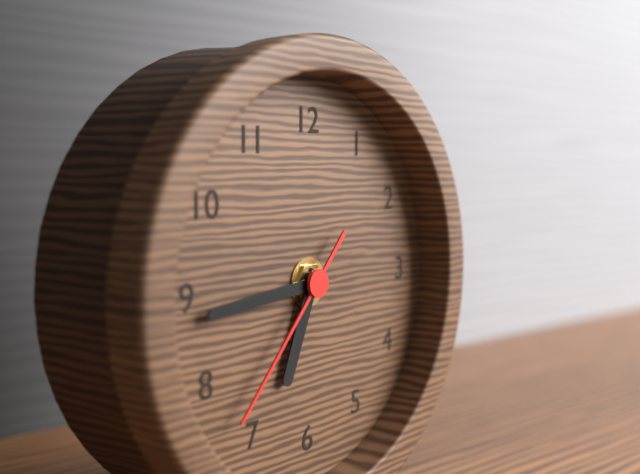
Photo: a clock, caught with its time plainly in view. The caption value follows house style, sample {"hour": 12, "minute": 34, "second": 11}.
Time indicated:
{"hour": 6, "minute": 44, "second": 37}
